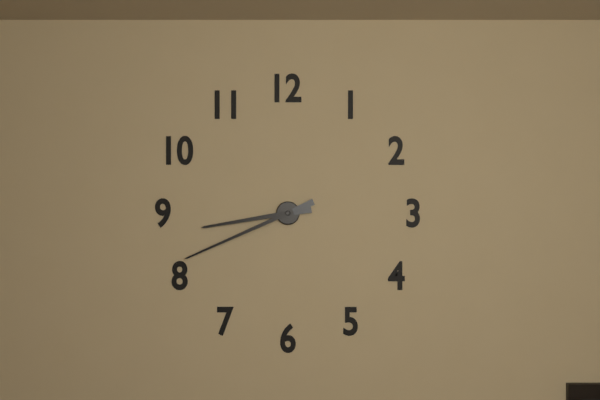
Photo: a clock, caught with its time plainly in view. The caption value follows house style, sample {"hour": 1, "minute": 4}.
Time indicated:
{"hour": 8, "minute": 41}
